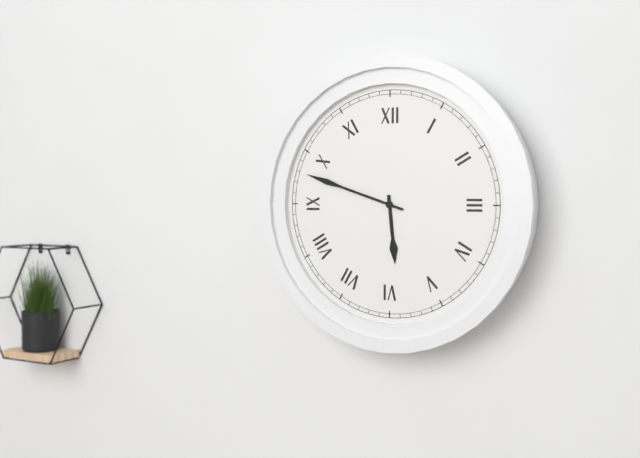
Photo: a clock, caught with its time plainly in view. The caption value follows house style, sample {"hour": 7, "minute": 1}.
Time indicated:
{"hour": 5, "minute": 48}
